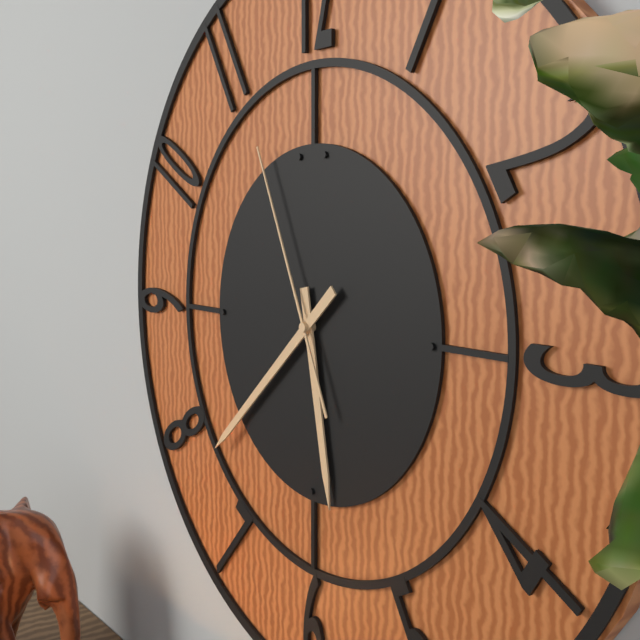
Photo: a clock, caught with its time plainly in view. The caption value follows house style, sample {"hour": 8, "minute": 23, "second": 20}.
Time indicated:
{"hour": 5, "minute": 38, "second": 56}
